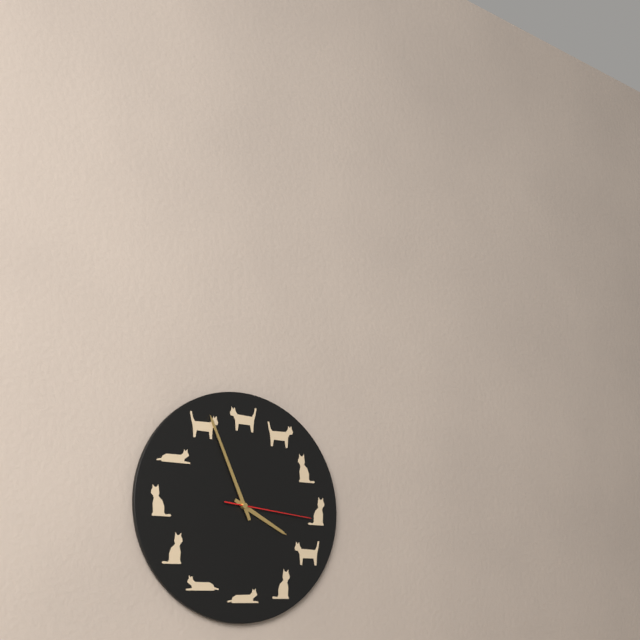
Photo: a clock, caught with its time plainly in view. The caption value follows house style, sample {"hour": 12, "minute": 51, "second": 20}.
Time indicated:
{"hour": 3, "minute": 56, "second": 16}
